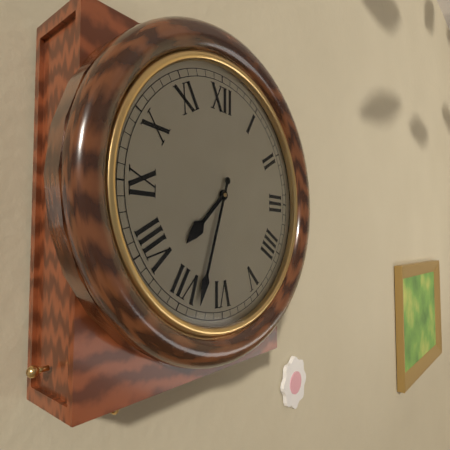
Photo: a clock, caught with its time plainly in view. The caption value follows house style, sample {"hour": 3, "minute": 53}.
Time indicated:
{"hour": 7, "minute": 33}
